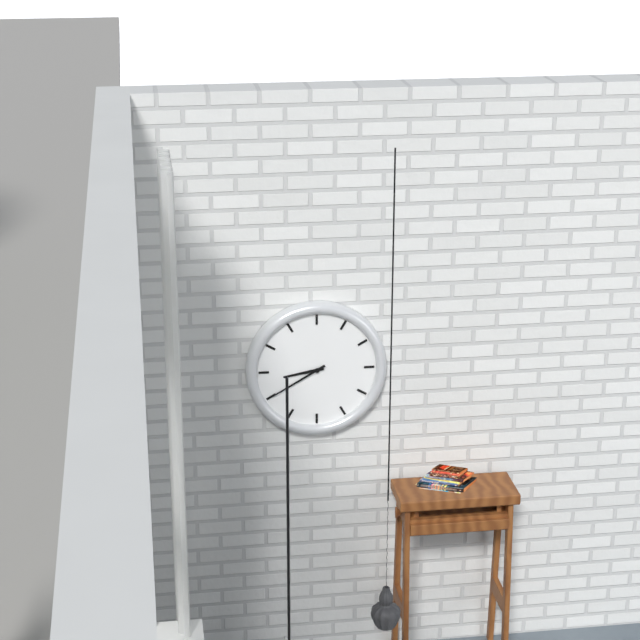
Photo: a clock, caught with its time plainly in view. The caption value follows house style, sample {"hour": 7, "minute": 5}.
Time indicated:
{"hour": 8, "minute": 40}
